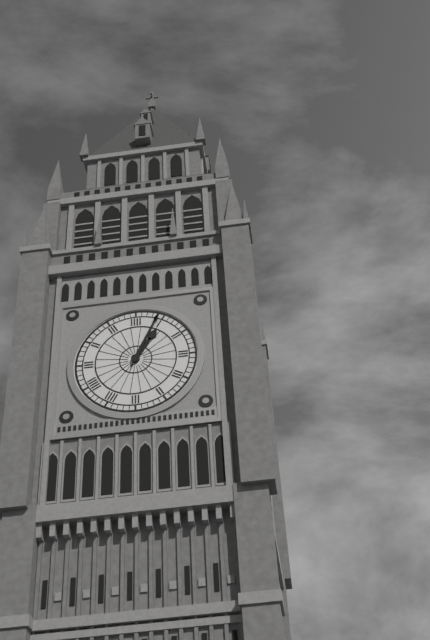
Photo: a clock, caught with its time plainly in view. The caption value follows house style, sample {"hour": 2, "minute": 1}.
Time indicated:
{"hour": 1, "minute": 4}
